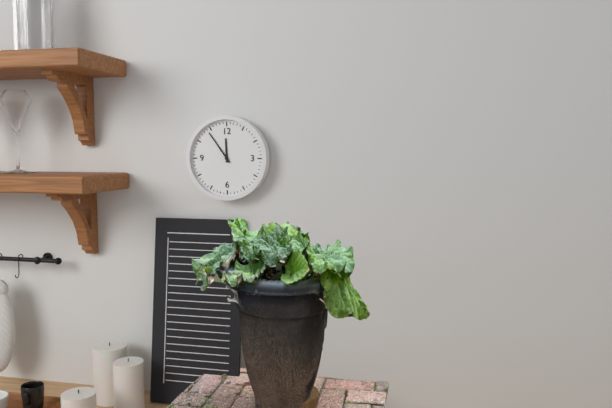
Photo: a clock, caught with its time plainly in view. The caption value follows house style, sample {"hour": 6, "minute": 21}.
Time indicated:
{"hour": 11, "minute": 54}
